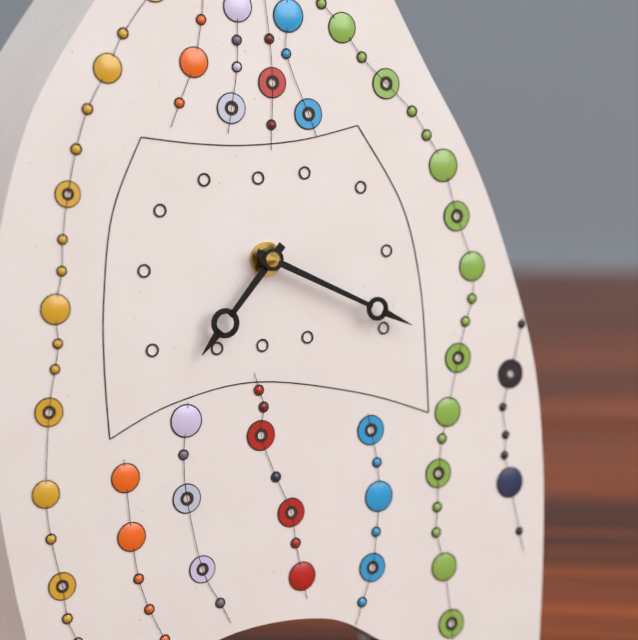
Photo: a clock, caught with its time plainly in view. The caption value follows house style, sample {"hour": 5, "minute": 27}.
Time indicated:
{"hour": 7, "minute": 19}
